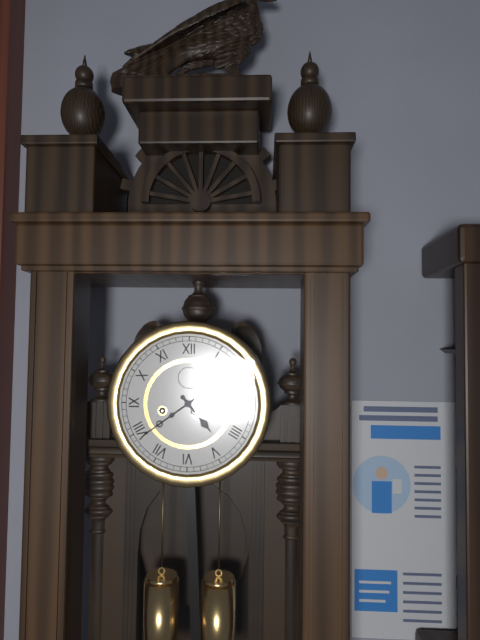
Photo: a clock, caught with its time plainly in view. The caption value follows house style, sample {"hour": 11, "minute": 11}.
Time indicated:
{"hour": 4, "minute": 39}
